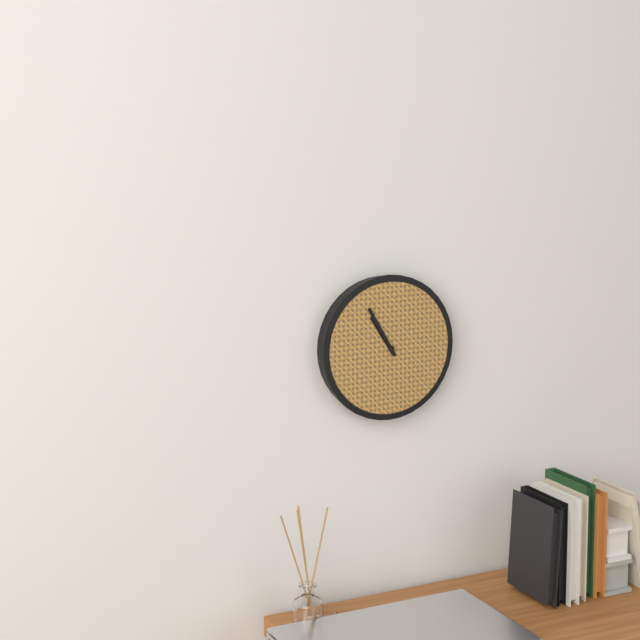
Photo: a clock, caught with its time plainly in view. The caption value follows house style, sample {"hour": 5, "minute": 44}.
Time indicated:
{"hour": 10, "minute": 55}
